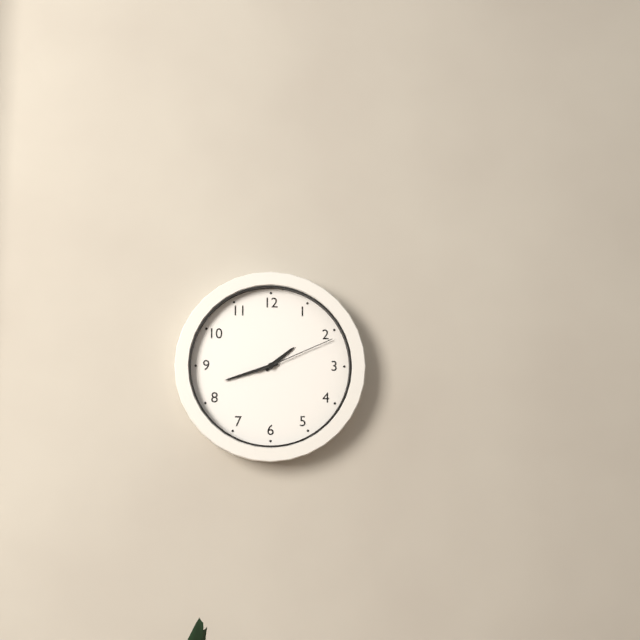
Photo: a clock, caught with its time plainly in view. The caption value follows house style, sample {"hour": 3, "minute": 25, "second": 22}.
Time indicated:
{"hour": 1, "minute": 42, "second": 11}
